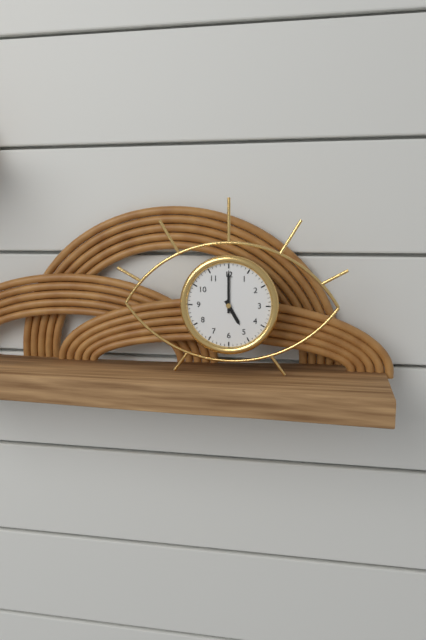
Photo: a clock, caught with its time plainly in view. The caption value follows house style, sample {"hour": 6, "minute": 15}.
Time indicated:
{"hour": 5, "minute": 0}
